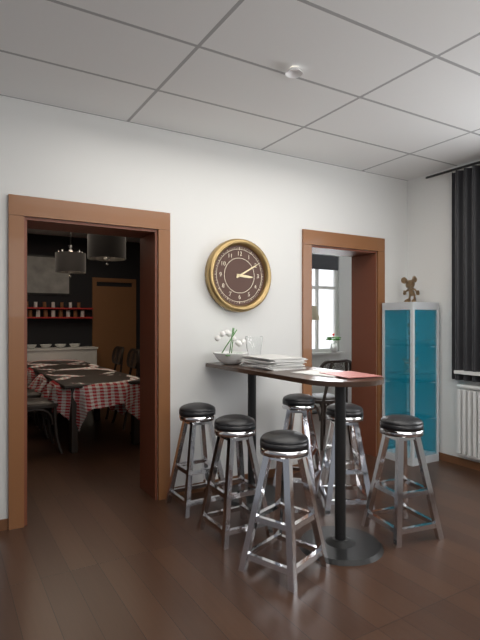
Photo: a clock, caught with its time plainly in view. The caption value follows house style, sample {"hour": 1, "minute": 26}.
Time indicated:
{"hour": 3, "minute": 10}
